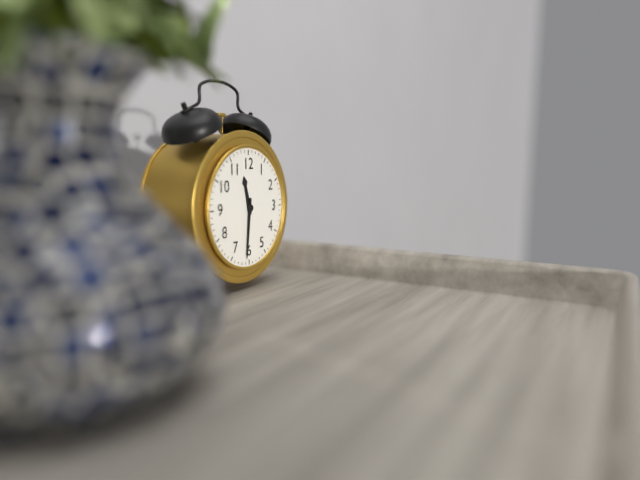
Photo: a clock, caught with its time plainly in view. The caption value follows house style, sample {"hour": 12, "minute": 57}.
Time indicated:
{"hour": 11, "minute": 31}
